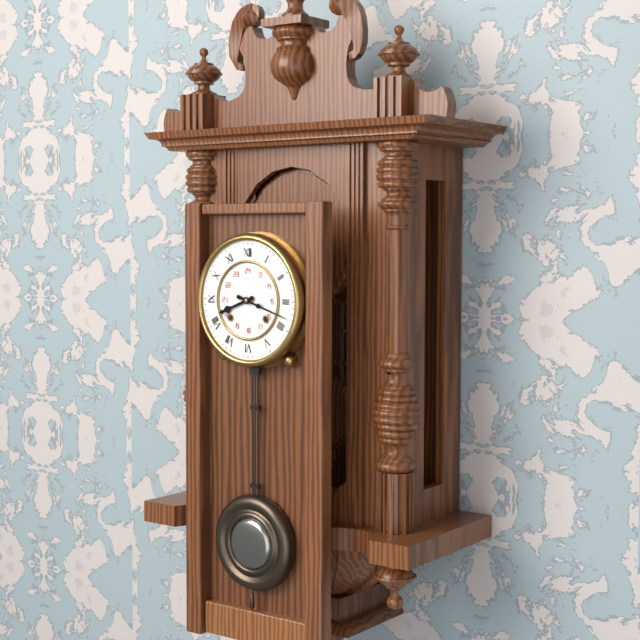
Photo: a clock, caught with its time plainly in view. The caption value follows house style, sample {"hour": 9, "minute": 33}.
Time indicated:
{"hour": 8, "minute": 18}
